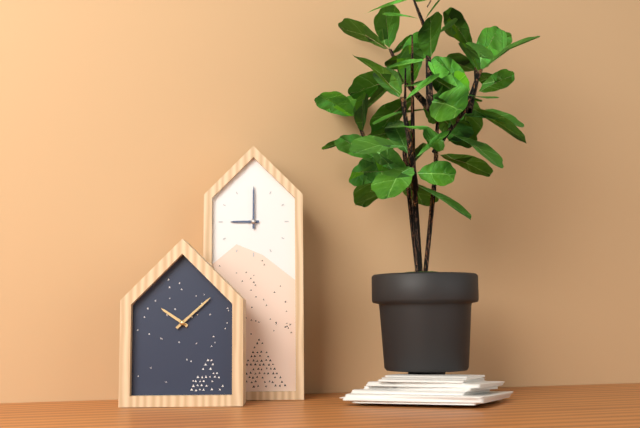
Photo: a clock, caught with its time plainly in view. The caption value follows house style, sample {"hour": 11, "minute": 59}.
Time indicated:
{"hour": 9, "minute": 0}
